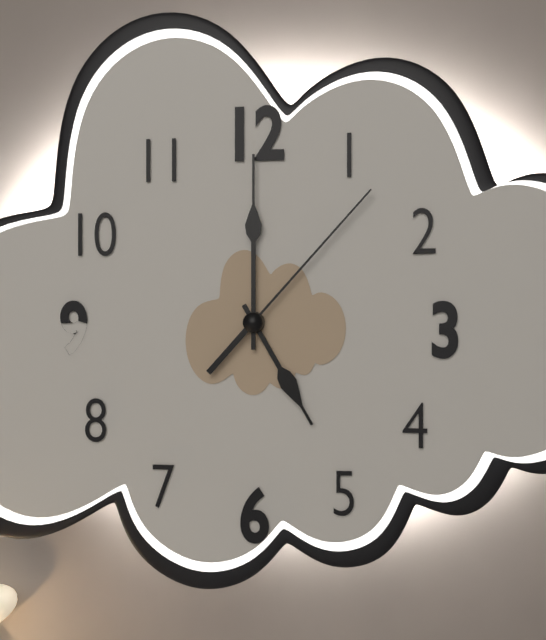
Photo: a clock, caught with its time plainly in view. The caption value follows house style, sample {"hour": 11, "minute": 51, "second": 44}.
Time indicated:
{"hour": 5, "minute": 0, "second": 7}
